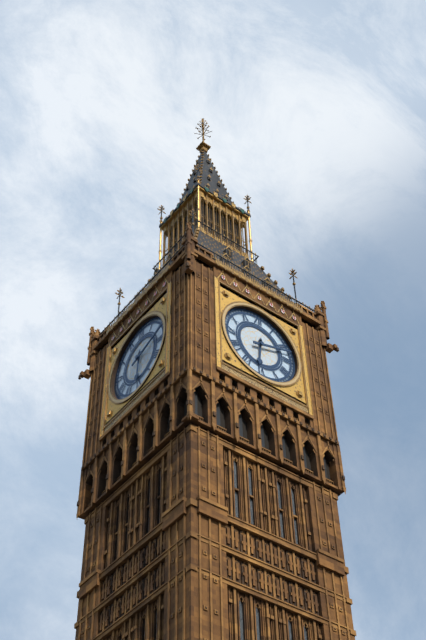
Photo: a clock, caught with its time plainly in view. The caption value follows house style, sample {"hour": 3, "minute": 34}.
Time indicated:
{"hour": 6, "minute": 12}
